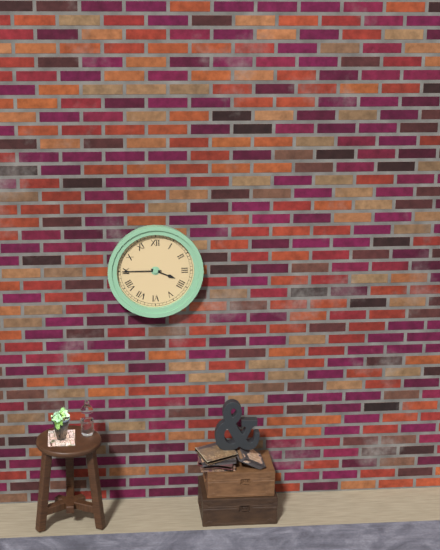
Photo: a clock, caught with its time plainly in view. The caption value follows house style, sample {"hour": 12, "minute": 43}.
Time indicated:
{"hour": 3, "minute": 45}
